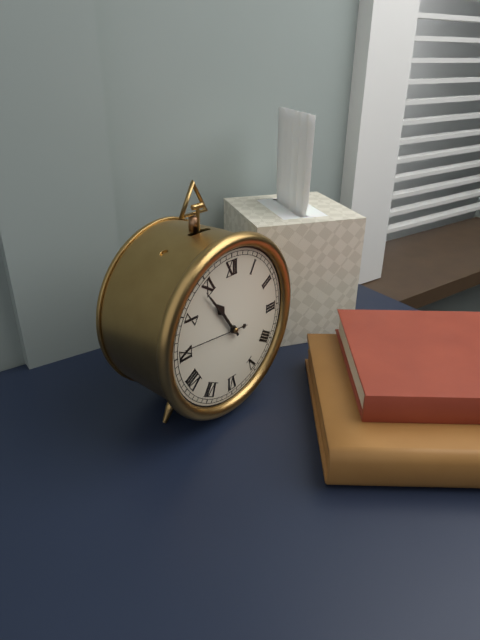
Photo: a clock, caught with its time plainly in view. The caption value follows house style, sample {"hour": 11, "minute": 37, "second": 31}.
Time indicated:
{"hour": 10, "minute": 54, "second": 46}
